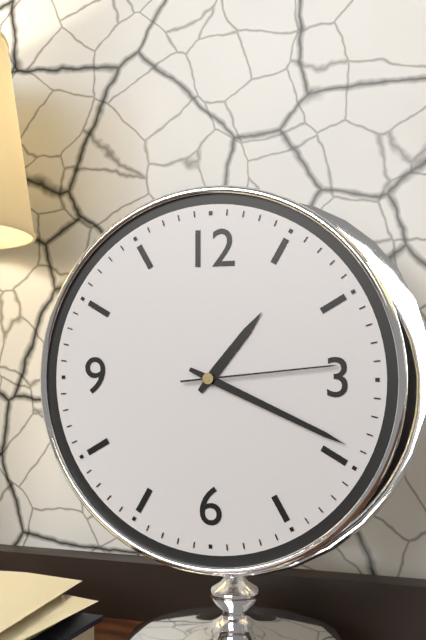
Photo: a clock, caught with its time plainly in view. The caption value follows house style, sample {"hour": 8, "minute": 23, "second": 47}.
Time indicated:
{"hour": 1, "minute": 19, "second": 14}
